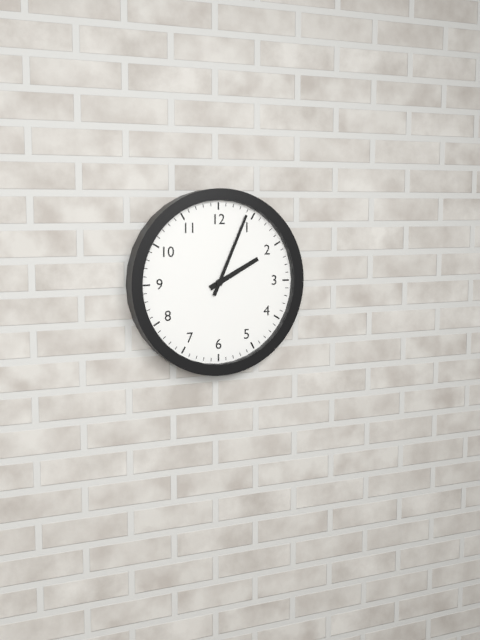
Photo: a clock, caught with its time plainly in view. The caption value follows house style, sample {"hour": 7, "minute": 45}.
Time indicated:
{"hour": 2, "minute": 4}
